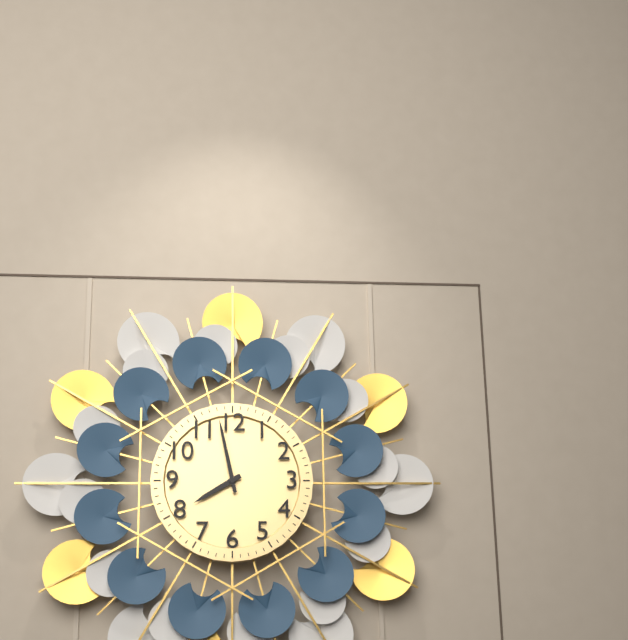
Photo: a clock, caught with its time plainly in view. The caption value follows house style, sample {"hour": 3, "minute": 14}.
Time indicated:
{"hour": 7, "minute": 58}
